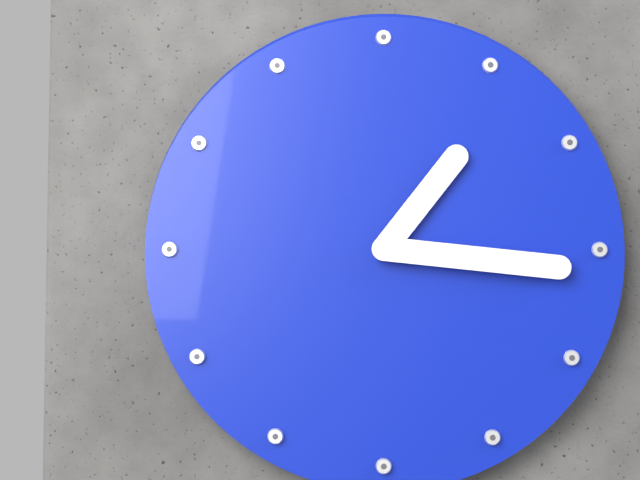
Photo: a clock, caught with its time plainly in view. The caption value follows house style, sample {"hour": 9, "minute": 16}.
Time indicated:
{"hour": 1, "minute": 16}
